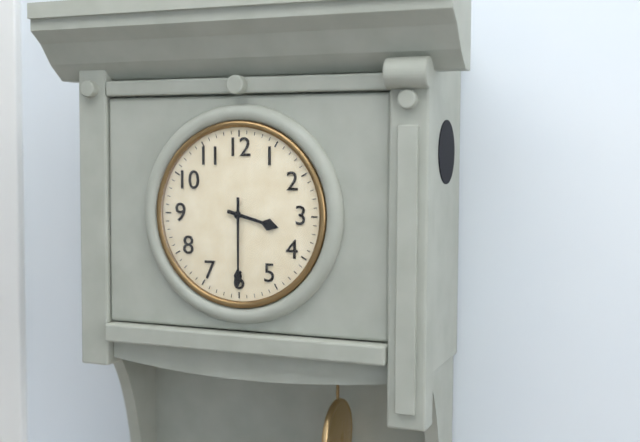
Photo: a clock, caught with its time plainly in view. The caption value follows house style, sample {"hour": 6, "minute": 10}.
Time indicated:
{"hour": 3, "minute": 30}
